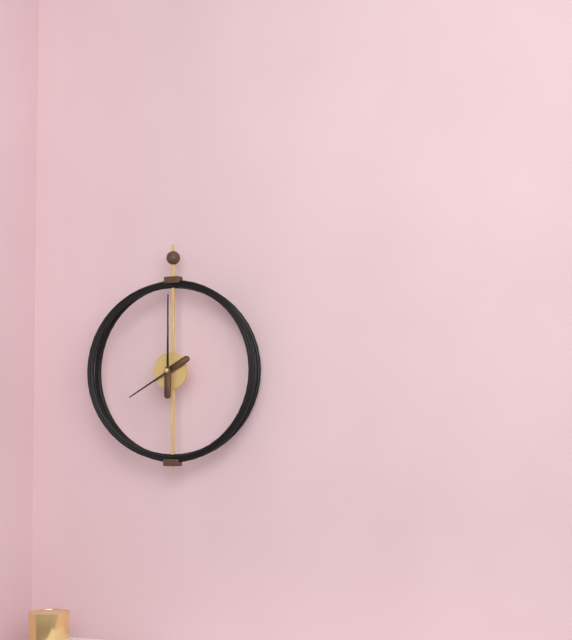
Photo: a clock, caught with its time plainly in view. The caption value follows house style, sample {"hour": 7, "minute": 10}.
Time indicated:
{"hour": 8, "minute": 0}
